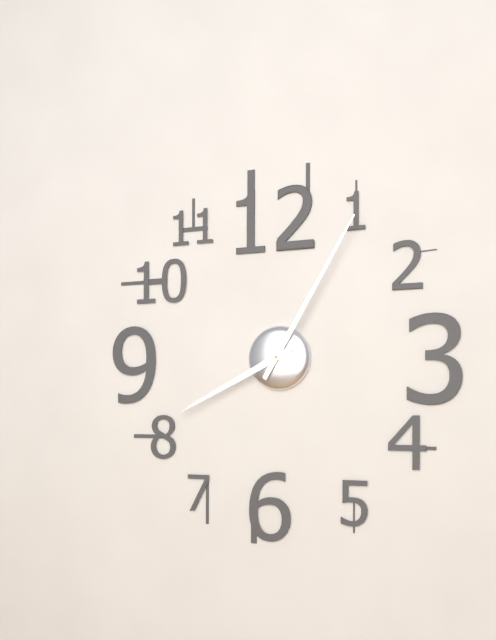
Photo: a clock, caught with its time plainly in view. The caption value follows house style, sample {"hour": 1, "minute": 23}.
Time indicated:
{"hour": 8, "minute": 5}
